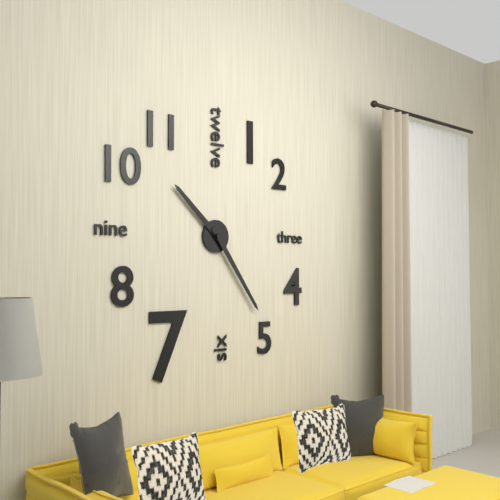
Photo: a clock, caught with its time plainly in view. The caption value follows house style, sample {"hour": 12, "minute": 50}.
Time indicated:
{"hour": 10, "minute": 24}
